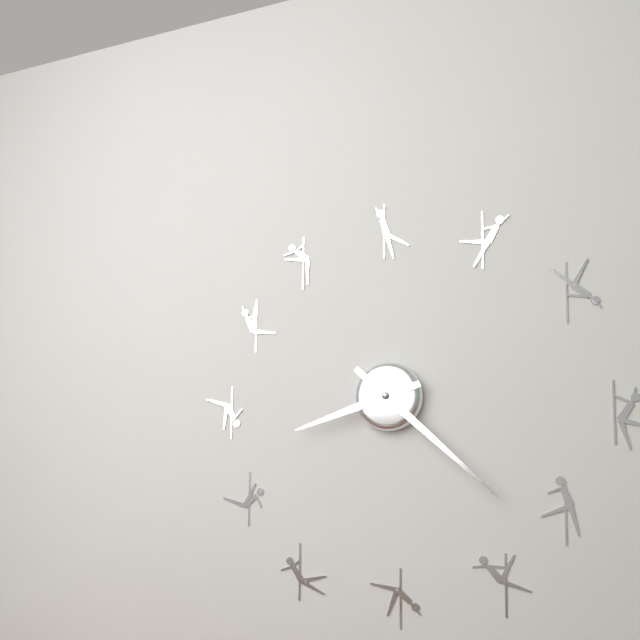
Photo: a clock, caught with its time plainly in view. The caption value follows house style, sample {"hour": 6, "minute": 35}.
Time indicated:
{"hour": 8, "minute": 22}
